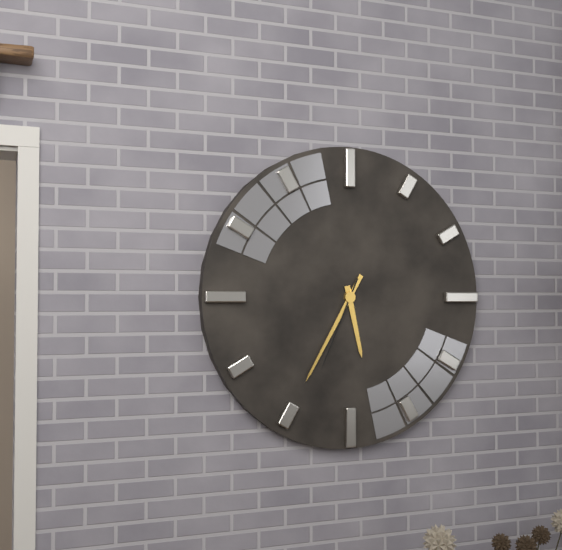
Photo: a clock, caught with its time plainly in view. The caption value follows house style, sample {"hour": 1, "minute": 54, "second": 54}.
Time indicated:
{"hour": 5, "minute": 35, "second": 34}
